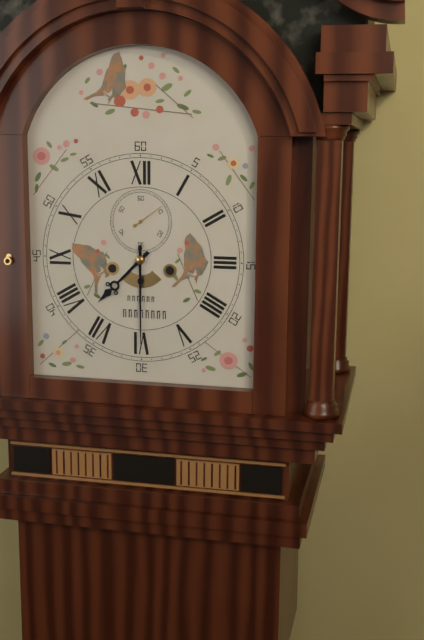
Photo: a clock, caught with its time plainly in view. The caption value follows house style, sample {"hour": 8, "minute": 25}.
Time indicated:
{"hour": 7, "minute": 30}
